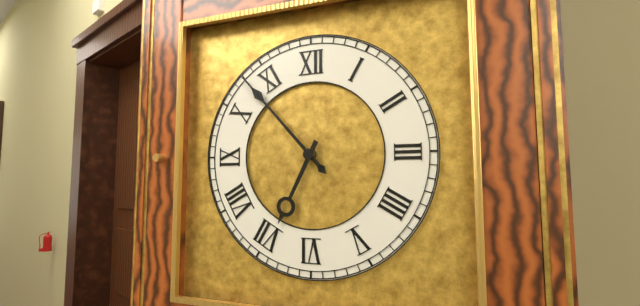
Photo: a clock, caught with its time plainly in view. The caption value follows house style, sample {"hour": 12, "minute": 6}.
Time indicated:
{"hour": 6, "minute": 53}
